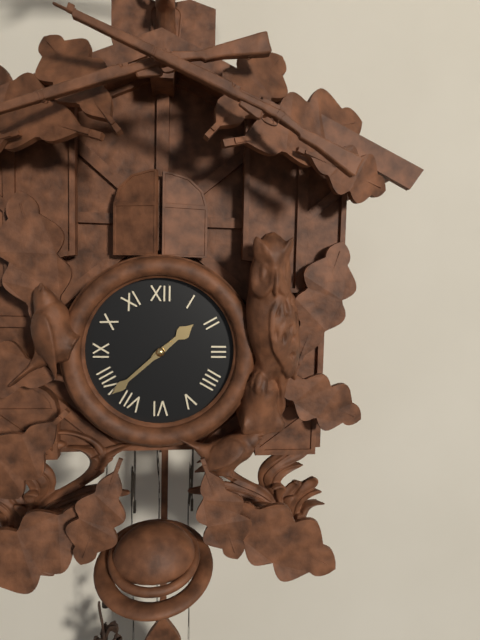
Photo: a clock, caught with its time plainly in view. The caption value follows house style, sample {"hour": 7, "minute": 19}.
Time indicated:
{"hour": 1, "minute": 38}
